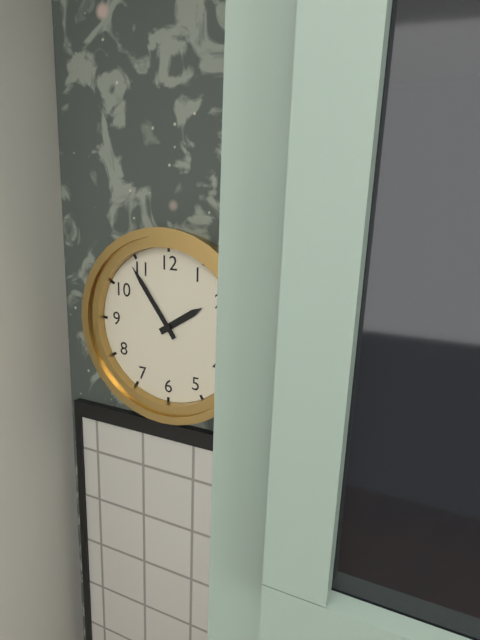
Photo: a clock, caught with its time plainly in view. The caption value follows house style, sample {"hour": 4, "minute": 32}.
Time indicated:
{"hour": 1, "minute": 54}
